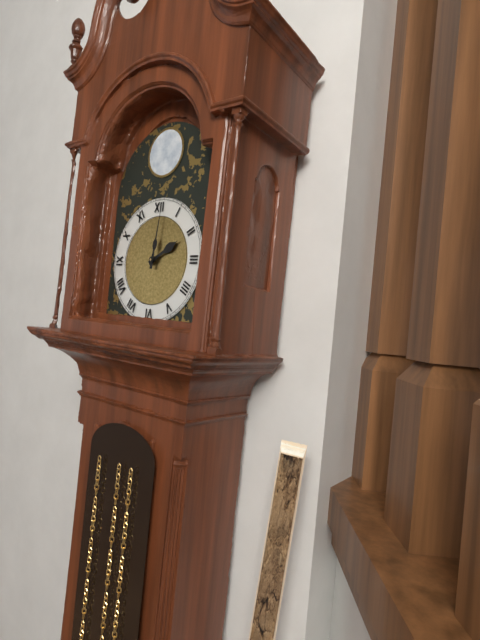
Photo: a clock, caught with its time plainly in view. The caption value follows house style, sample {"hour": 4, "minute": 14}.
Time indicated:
{"hour": 2, "minute": 1}
